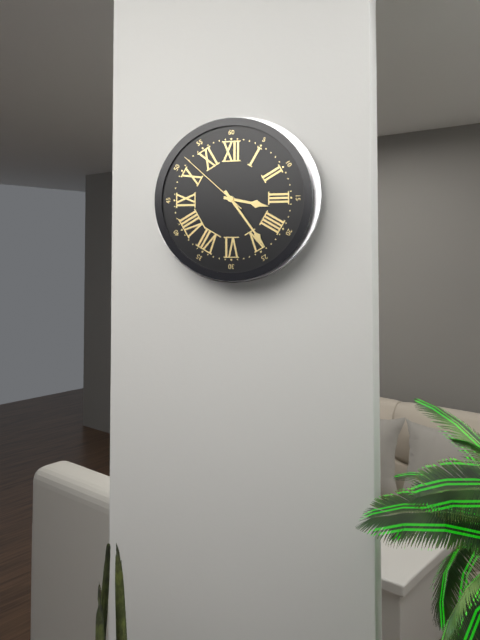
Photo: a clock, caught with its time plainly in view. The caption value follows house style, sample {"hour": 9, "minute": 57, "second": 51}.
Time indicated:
{"hour": 3, "minute": 24, "second": 52}
